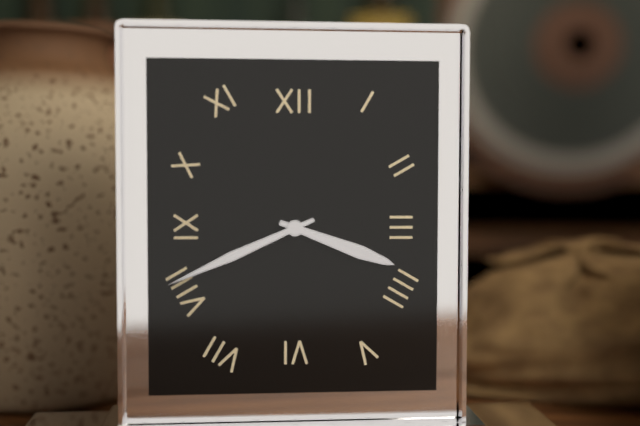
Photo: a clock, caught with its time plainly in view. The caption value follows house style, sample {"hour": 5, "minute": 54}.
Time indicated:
{"hour": 3, "minute": 41}
